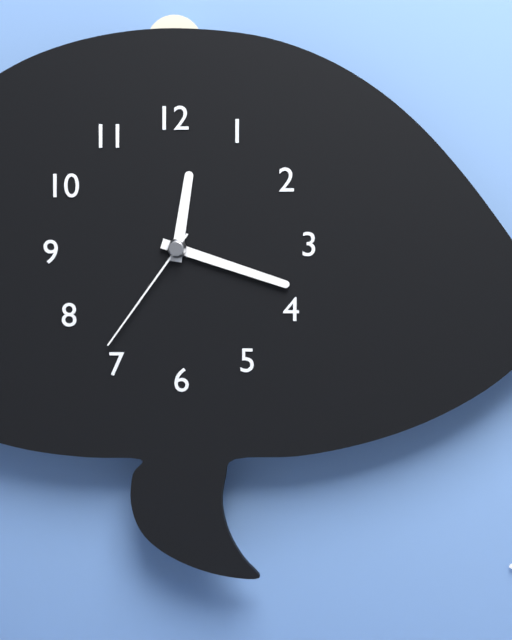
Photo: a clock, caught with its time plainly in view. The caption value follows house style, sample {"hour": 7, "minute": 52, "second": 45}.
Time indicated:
{"hour": 12, "minute": 18, "second": 36}
